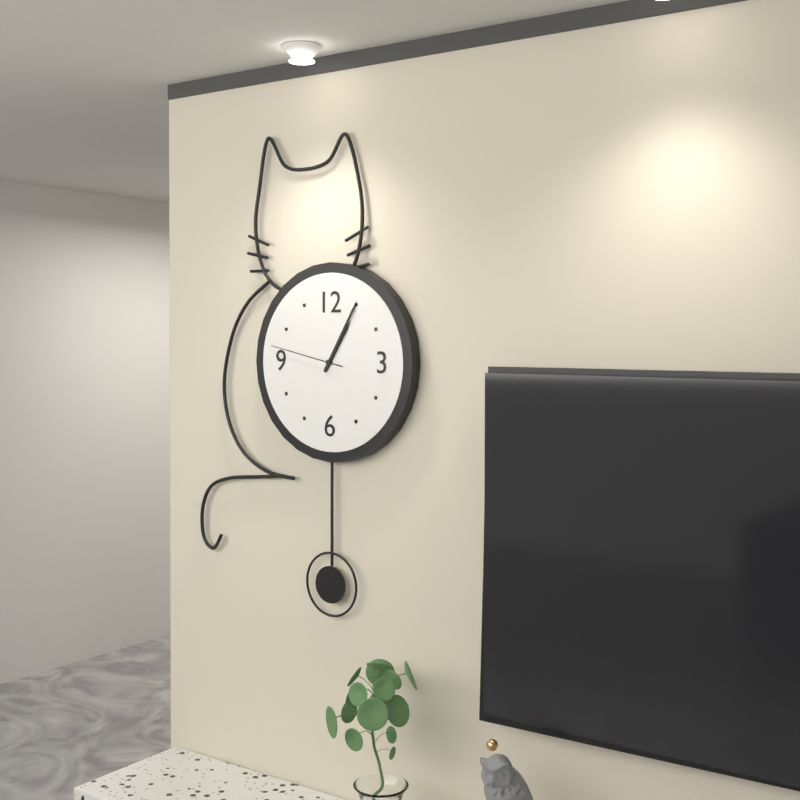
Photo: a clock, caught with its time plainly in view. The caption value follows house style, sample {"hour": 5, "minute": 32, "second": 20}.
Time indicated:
{"hour": 1, "minute": 5, "second": 47}
